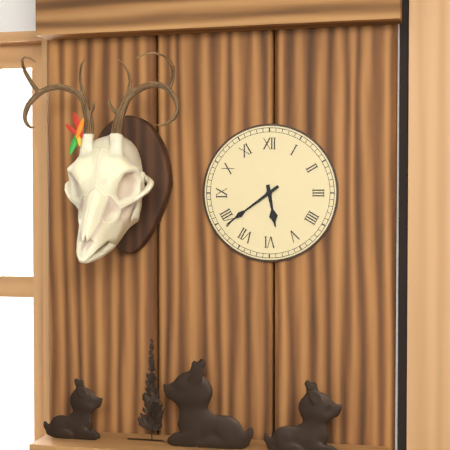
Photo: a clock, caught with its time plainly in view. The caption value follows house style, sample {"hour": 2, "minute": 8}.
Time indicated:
{"hour": 5, "minute": 39}
